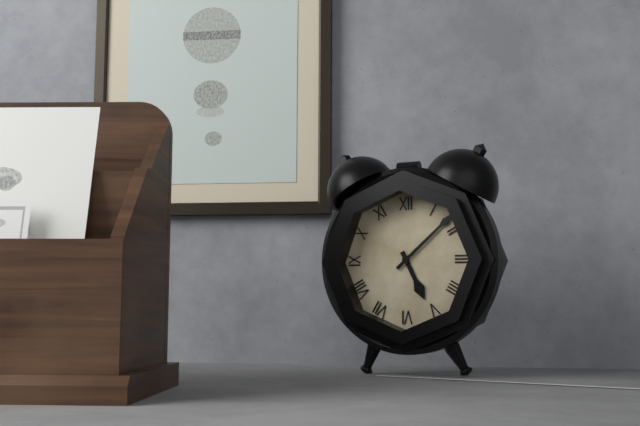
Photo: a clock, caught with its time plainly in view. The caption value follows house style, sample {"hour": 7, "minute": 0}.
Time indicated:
{"hour": 5, "minute": 8}
